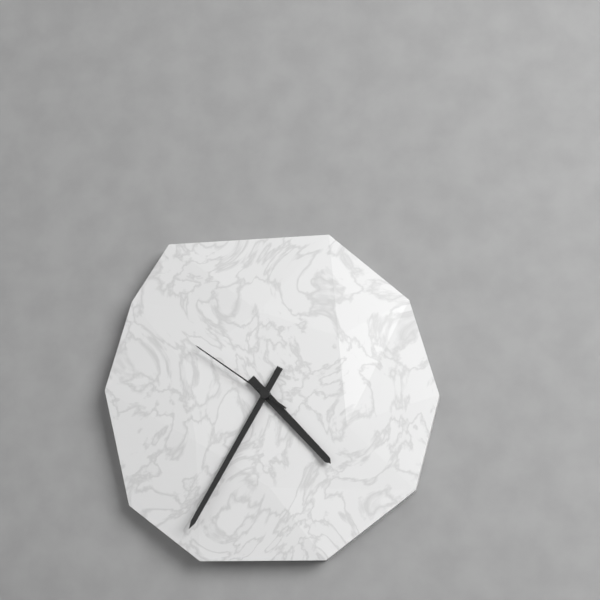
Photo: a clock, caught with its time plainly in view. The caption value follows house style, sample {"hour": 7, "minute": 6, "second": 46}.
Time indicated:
{"hour": 4, "minute": 35, "second": 51}
